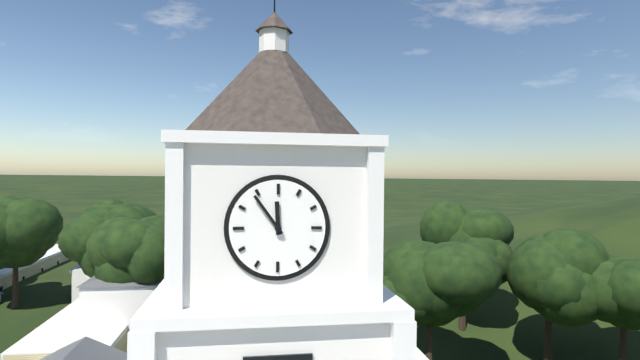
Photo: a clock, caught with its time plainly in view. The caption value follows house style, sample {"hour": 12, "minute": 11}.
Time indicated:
{"hour": 11, "minute": 54}
